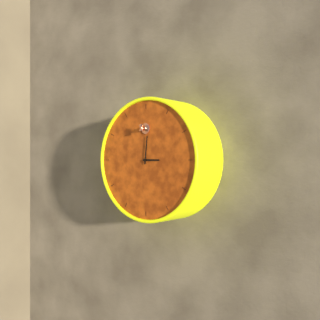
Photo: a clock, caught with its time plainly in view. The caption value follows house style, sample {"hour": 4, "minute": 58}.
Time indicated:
{"hour": 3, "minute": 1}
